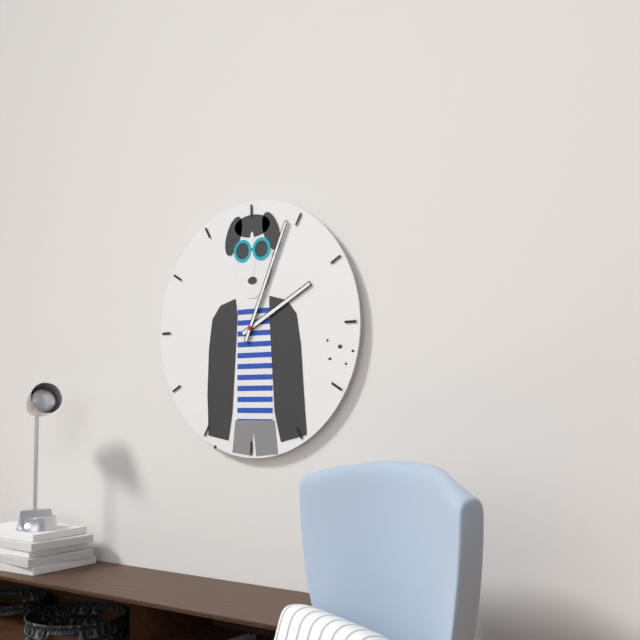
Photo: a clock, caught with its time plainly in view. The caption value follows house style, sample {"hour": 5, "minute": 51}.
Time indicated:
{"hour": 2, "minute": 4}
